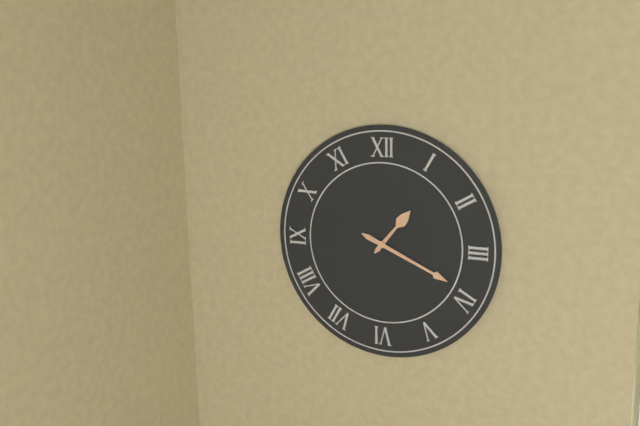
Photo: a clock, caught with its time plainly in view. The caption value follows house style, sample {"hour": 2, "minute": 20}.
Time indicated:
{"hour": 1, "minute": 19}
